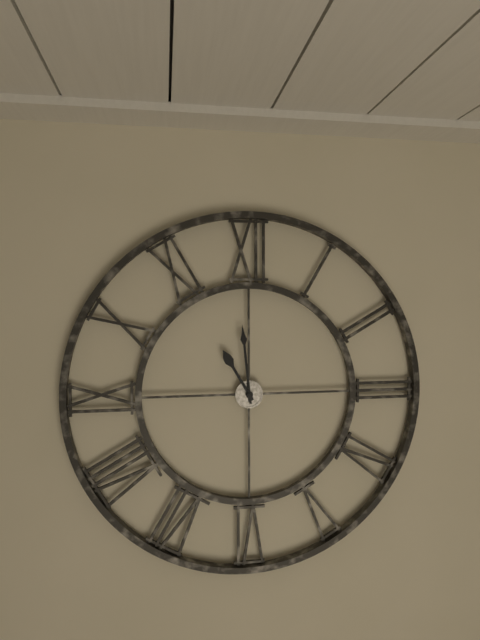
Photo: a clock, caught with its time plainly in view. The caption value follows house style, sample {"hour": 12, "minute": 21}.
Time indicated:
{"hour": 10, "minute": 59}
